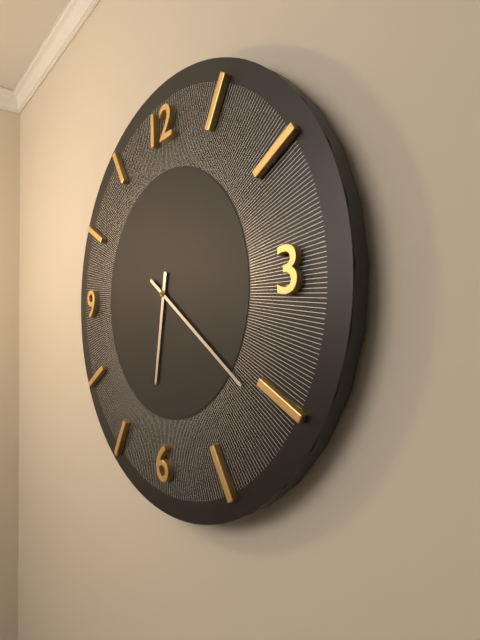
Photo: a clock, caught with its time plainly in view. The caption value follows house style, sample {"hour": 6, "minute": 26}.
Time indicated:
{"hour": 6, "minute": 21}
